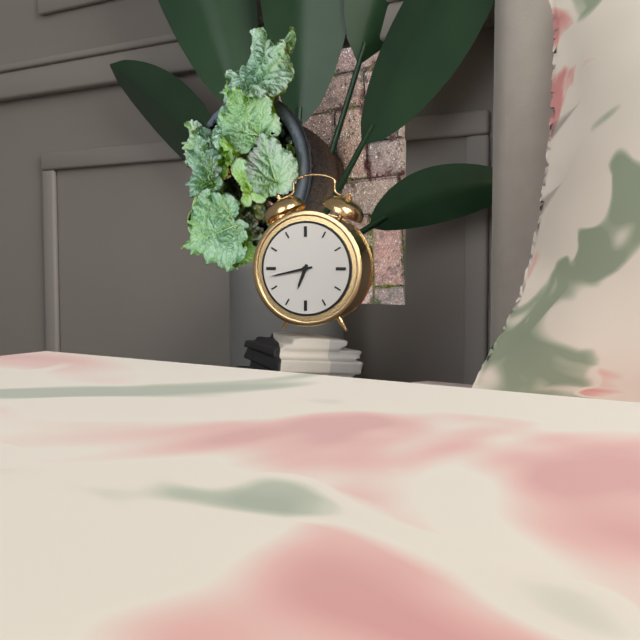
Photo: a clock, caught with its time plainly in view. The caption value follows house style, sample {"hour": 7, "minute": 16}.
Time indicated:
{"hour": 6, "minute": 43}
